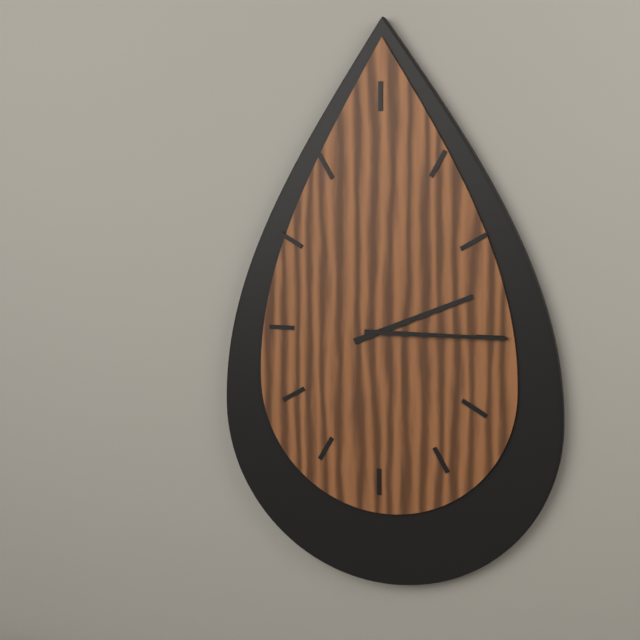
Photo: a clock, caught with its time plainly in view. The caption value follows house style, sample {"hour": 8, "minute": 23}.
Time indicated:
{"hour": 2, "minute": 15}
